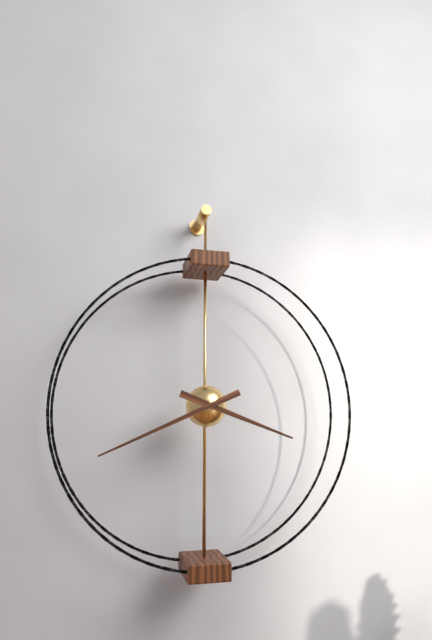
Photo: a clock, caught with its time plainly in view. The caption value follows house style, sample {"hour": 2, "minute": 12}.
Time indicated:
{"hour": 3, "minute": 41}
